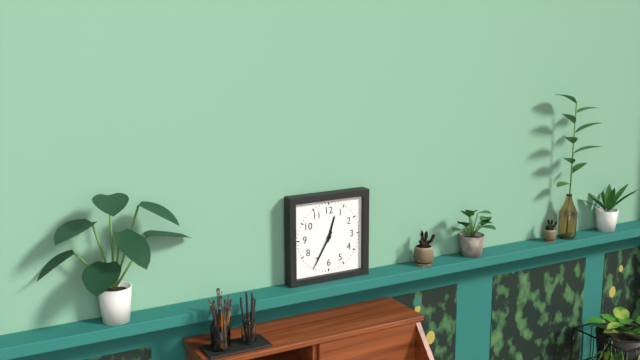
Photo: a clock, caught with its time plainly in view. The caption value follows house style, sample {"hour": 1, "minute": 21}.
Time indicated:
{"hour": 12, "minute": 35}
